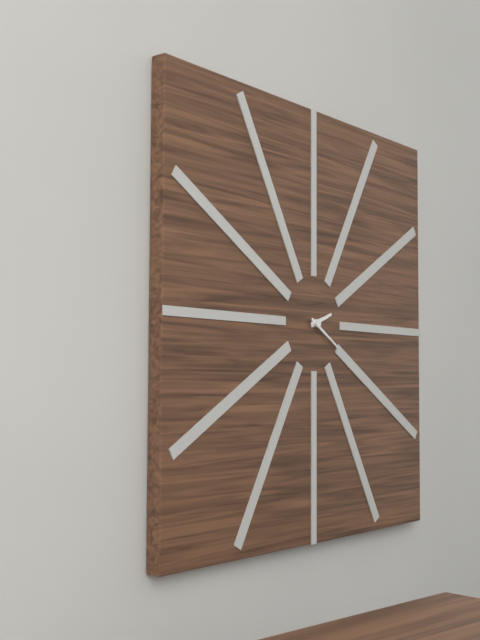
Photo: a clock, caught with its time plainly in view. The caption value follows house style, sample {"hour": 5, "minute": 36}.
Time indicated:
{"hour": 2, "minute": 20}
